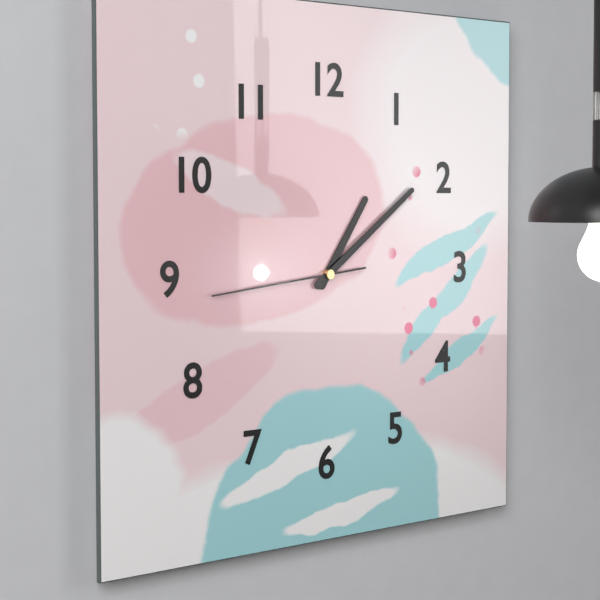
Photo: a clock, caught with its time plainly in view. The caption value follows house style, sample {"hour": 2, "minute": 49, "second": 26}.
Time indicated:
{"hour": 1, "minute": 9, "second": 44}
